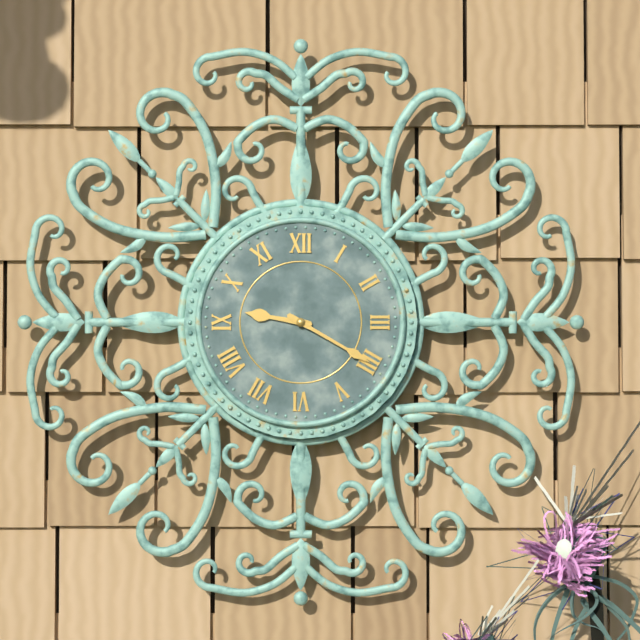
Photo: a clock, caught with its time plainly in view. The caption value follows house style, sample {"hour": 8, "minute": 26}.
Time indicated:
{"hour": 9, "minute": 20}
